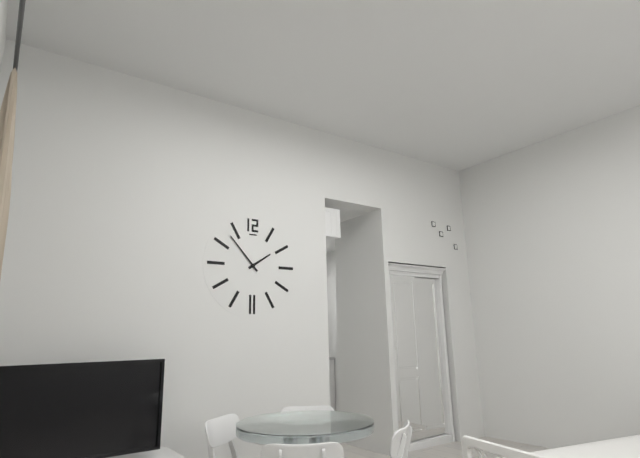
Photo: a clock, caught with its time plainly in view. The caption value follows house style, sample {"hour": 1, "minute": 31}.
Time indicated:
{"hour": 1, "minute": 53}
